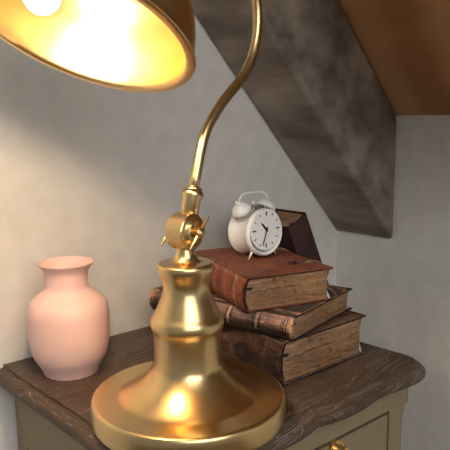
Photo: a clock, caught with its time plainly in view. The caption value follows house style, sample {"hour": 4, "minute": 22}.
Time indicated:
{"hour": 10, "minute": 33}
